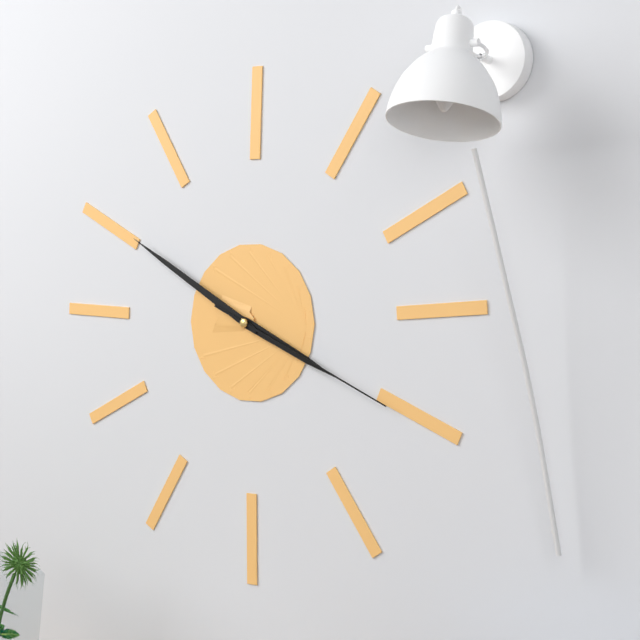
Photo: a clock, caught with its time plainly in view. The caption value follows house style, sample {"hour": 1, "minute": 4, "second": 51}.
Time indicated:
{"hour": 3, "minute": 50, "second": 19}
